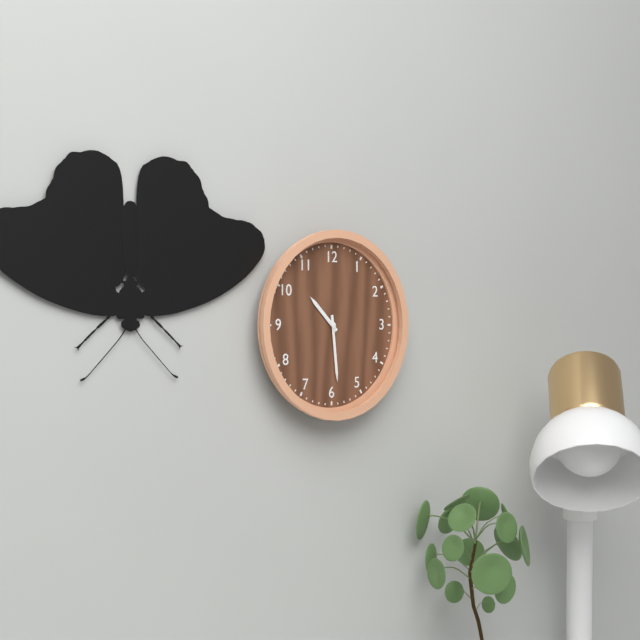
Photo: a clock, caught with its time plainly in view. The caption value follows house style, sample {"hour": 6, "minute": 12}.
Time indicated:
{"hour": 10, "minute": 29}
